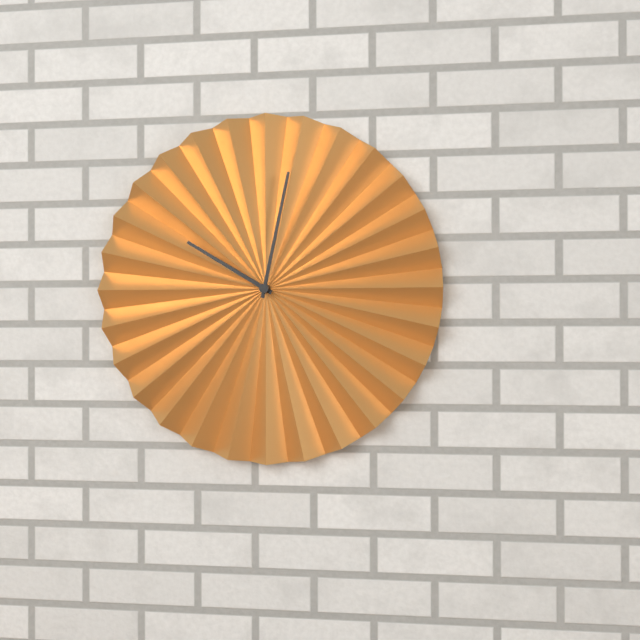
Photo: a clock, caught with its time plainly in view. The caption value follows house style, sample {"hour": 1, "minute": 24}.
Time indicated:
{"hour": 10, "minute": 2}
